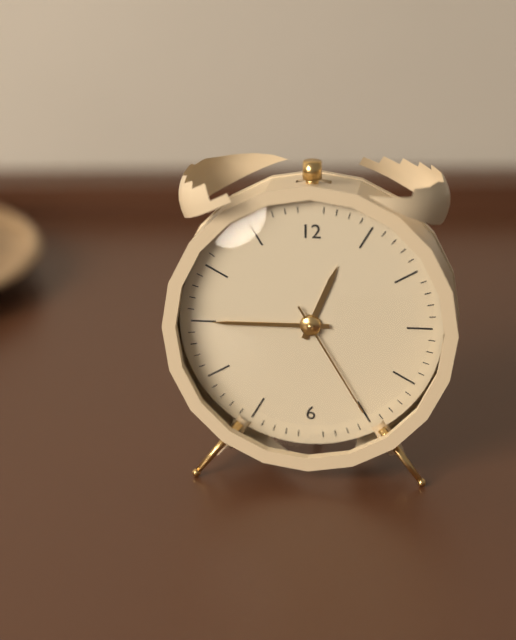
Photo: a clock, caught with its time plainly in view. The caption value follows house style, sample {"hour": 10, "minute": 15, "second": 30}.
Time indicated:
{"hour": 12, "minute": 45, "second": 25}
